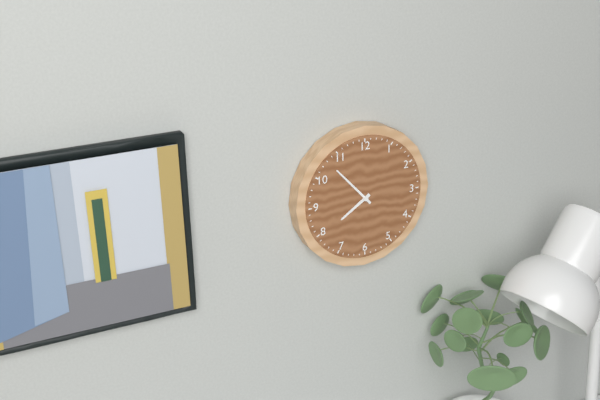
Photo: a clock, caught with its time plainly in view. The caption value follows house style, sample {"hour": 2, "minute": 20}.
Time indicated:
{"hour": 7, "minute": 53}
